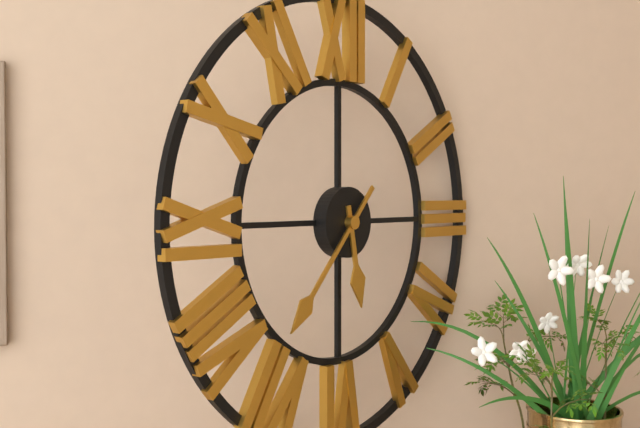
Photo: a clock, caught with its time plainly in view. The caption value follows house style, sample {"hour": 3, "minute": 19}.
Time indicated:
{"hour": 5, "minute": 37}
